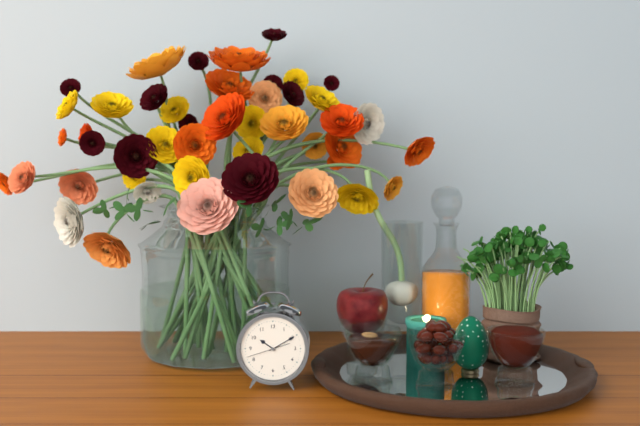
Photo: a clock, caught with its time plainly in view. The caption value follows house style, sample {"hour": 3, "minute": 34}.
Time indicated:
{"hour": 10, "minute": 10}
